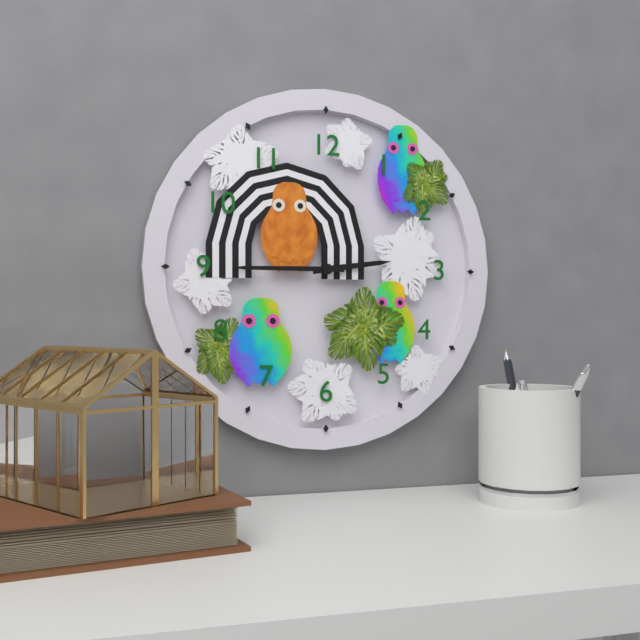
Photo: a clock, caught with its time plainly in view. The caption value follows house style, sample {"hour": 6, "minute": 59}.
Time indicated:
{"hour": 2, "minute": 45}
